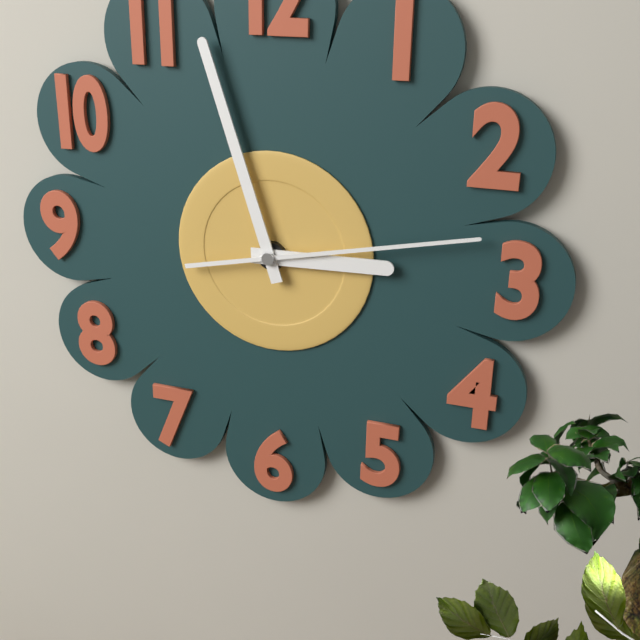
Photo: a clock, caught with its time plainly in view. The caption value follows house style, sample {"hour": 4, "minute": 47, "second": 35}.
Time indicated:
{"hour": 2, "minute": 57, "second": 13}
